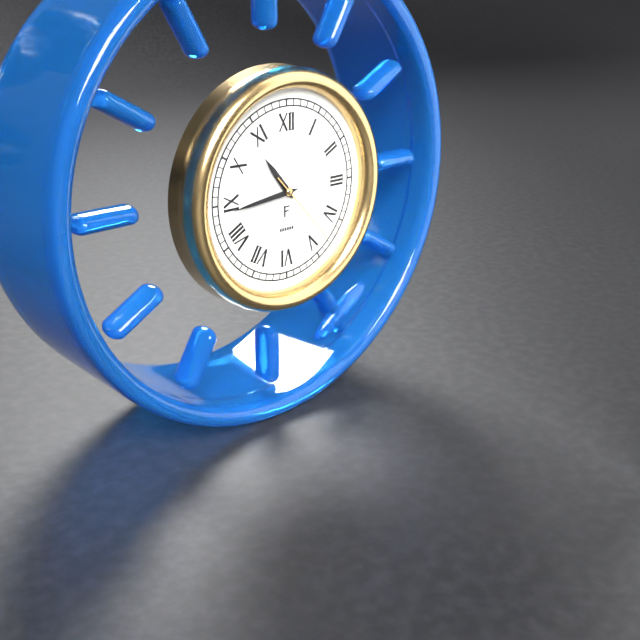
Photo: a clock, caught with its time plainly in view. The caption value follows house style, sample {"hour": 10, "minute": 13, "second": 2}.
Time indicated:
{"hour": 10, "minute": 44, "second": 23}
